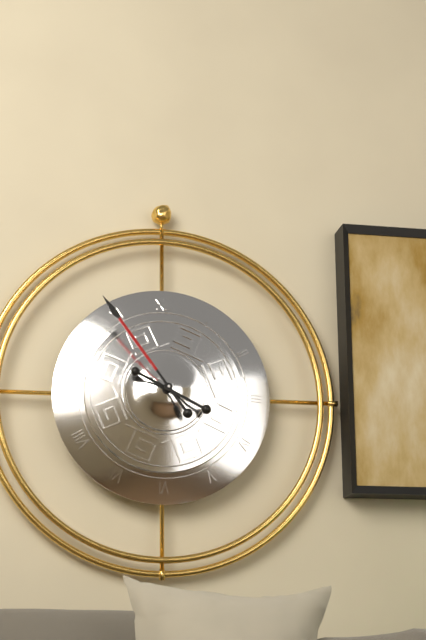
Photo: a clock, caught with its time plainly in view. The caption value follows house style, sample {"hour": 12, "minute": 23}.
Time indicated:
{"hour": 3, "minute": 54}
